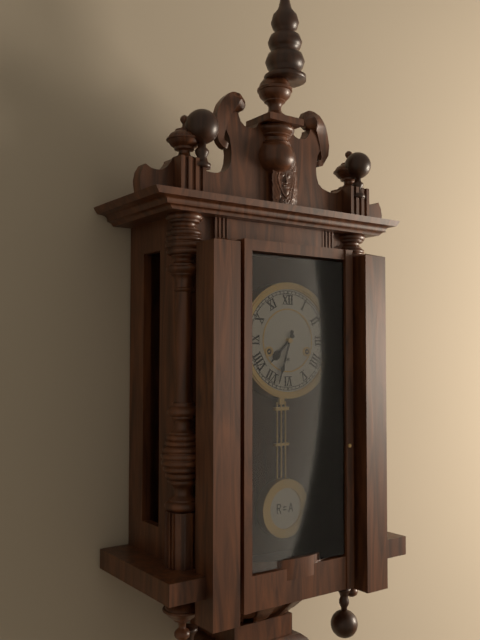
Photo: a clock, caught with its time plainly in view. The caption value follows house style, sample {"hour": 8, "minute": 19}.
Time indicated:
{"hour": 7, "minute": 33}
